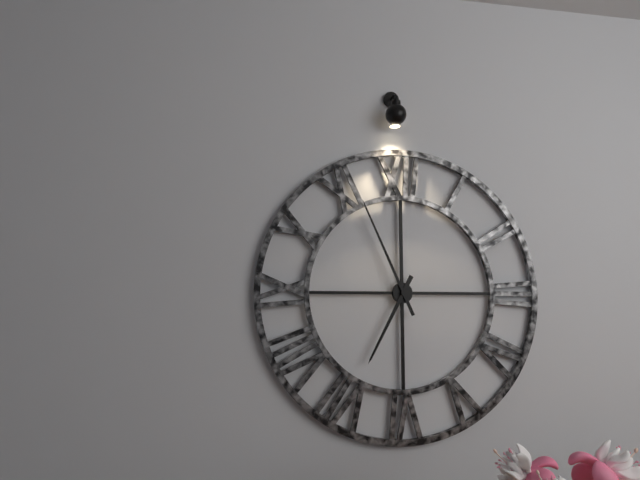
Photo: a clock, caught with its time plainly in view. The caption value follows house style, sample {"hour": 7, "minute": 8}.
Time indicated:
{"hour": 6, "minute": 56}
